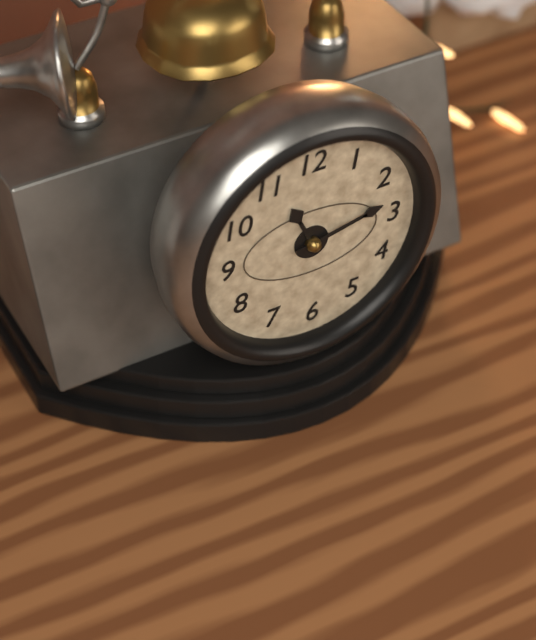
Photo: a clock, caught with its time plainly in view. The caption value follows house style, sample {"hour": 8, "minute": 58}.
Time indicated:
{"hour": 11, "minute": 13}
